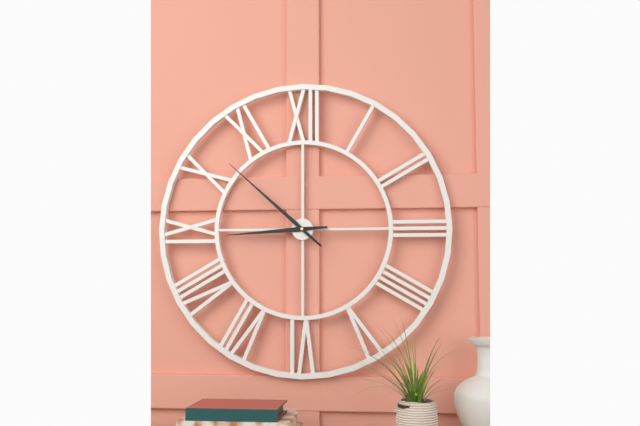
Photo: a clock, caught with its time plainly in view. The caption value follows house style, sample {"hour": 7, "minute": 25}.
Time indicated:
{"hour": 8, "minute": 52}
